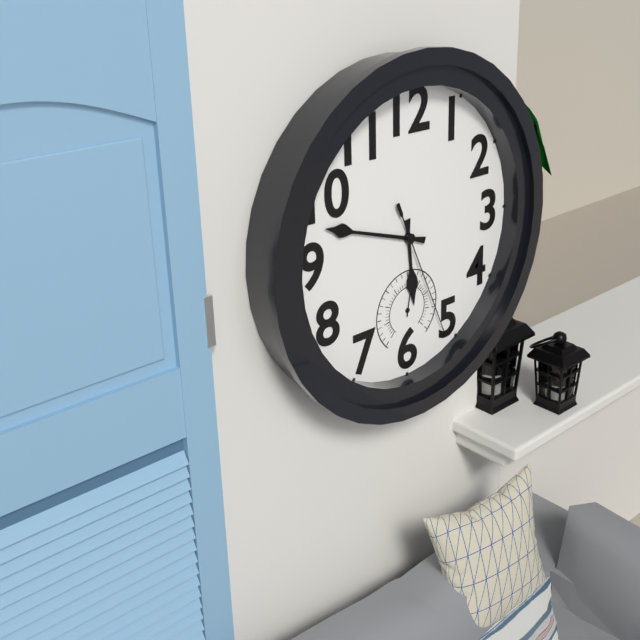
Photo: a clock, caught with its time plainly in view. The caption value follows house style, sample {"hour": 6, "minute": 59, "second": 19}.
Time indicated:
{"hour": 5, "minute": 48, "second": 26}
